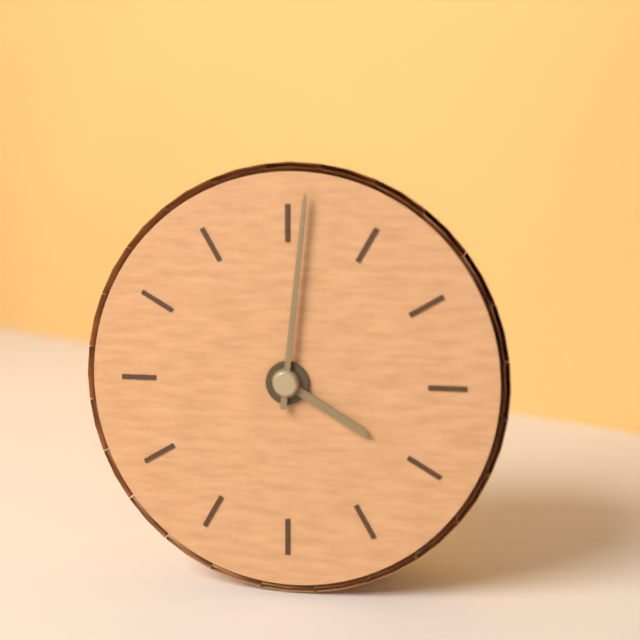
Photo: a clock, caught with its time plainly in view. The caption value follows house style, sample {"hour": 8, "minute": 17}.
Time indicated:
{"hour": 4, "minute": 1}
